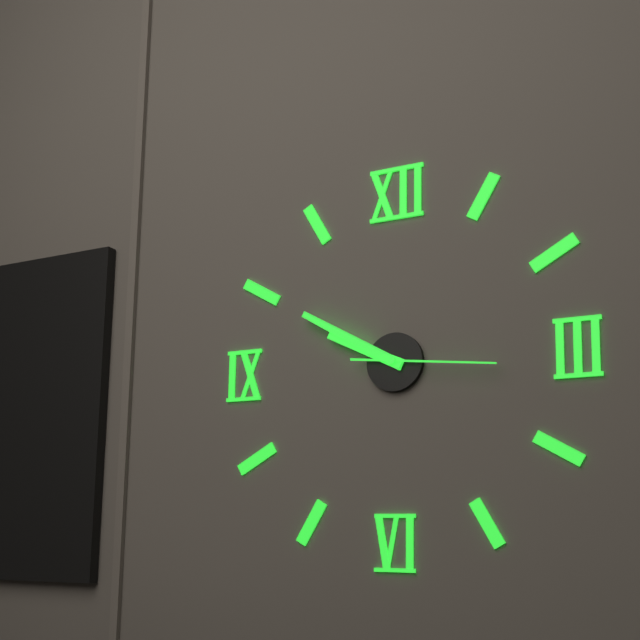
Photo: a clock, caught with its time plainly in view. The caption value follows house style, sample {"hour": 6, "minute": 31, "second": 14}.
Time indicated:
{"hour": 9, "minute": 50, "second": 16}
